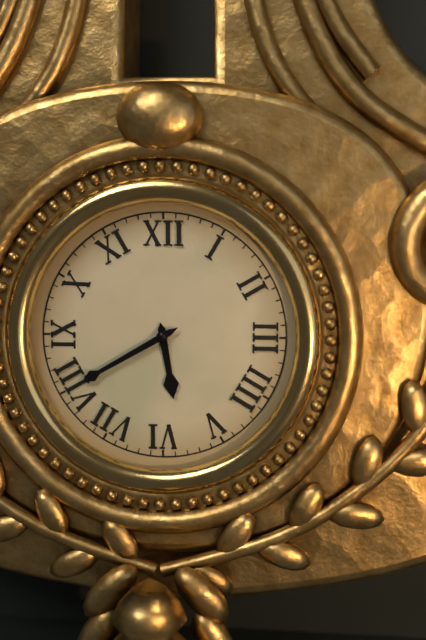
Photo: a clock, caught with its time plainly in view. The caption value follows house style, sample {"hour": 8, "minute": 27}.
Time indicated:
{"hour": 5, "minute": 40}
